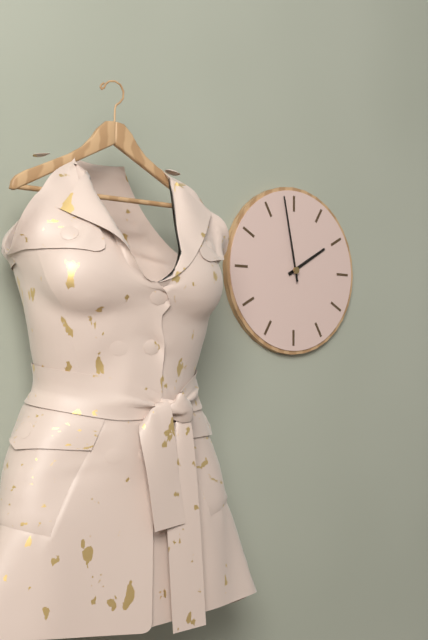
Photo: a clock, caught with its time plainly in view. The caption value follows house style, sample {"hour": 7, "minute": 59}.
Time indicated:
{"hour": 1, "minute": 58}
